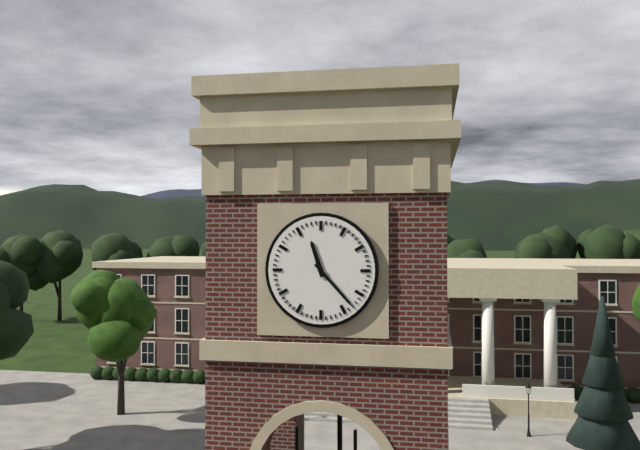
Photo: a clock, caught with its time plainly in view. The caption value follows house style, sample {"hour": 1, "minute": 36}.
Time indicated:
{"hour": 11, "minute": 23}
